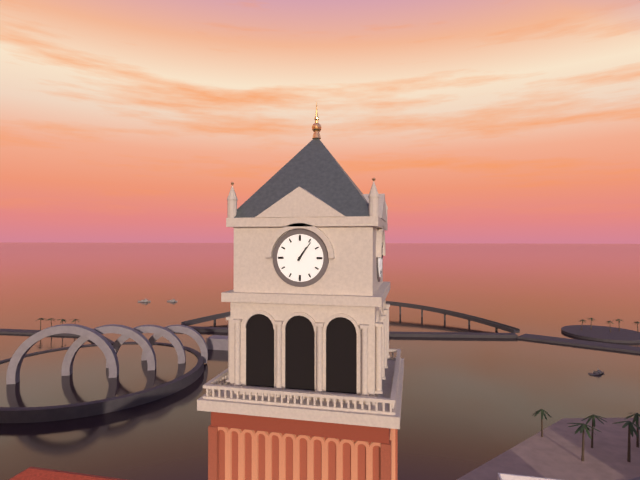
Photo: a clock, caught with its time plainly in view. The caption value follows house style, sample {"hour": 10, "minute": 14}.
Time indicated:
{"hour": 1, "minute": 6}
